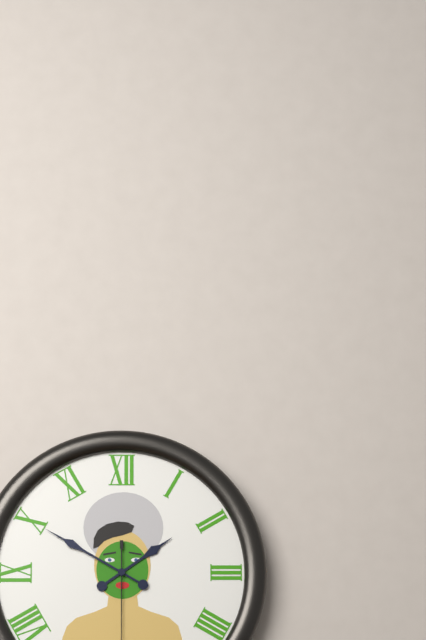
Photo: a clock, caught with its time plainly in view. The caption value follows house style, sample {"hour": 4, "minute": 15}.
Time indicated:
{"hour": 1, "minute": 50}
